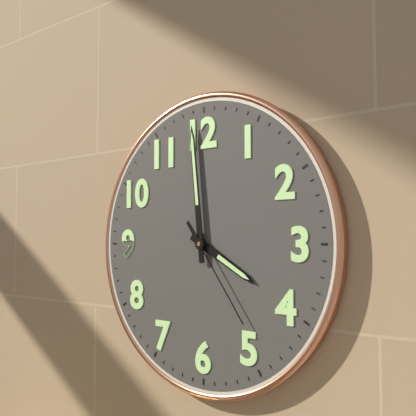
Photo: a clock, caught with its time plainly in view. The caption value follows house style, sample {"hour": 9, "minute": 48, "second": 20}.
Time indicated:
{"hour": 3, "minute": 59, "second": 24}
